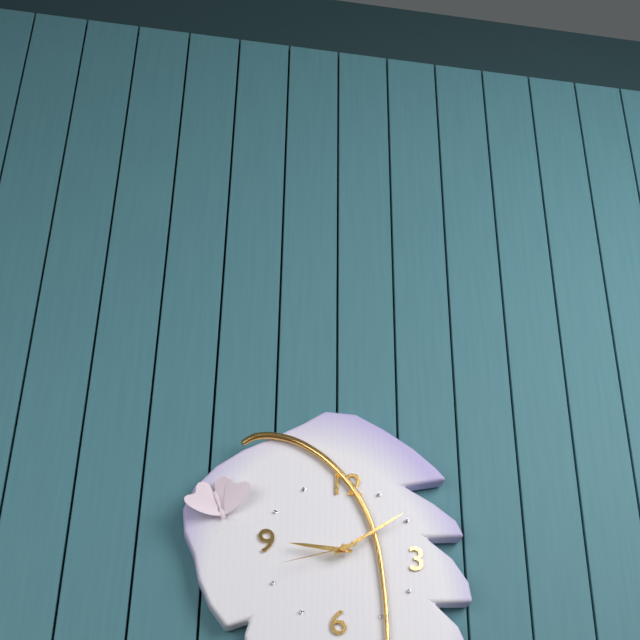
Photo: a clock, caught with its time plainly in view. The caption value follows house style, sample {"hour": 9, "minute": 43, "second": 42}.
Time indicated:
{"hour": 9, "minute": 9, "second": 42}
